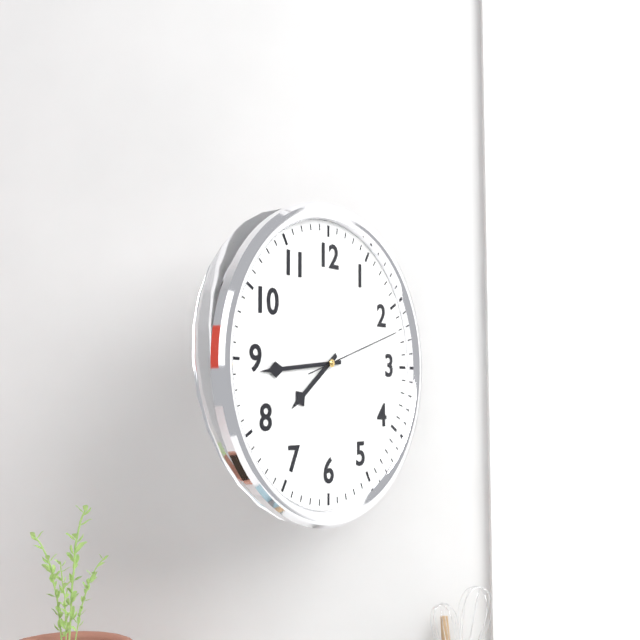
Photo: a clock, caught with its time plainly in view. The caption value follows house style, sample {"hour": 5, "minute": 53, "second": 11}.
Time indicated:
{"hour": 7, "minute": 44, "second": 12}
